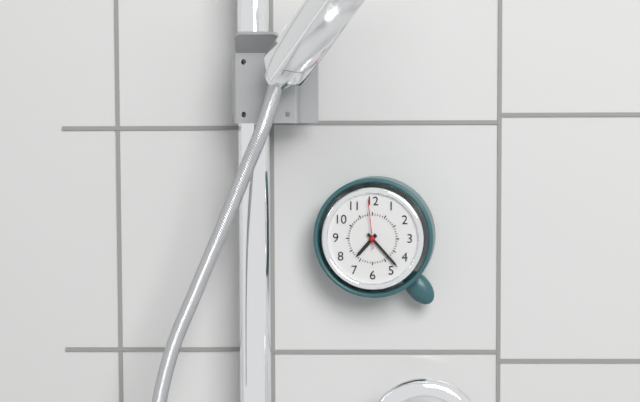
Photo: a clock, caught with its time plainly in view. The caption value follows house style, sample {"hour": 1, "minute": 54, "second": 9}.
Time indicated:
{"hour": 7, "minute": 23, "second": 59}
